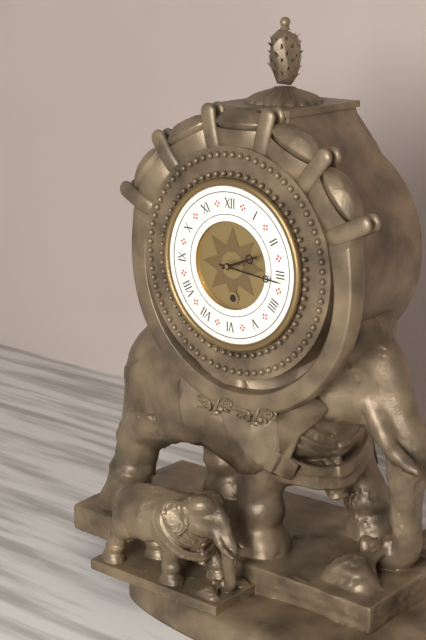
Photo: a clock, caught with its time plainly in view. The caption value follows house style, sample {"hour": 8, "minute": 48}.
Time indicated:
{"hour": 2, "minute": 16}
